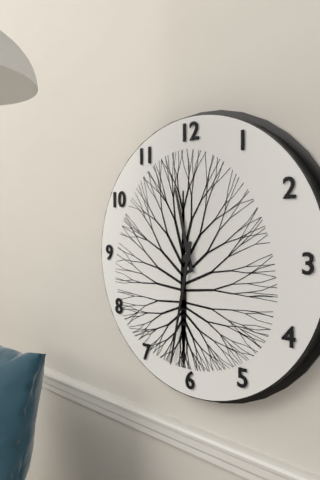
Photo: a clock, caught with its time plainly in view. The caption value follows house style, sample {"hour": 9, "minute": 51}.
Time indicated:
{"hour": 11, "minute": 32}
